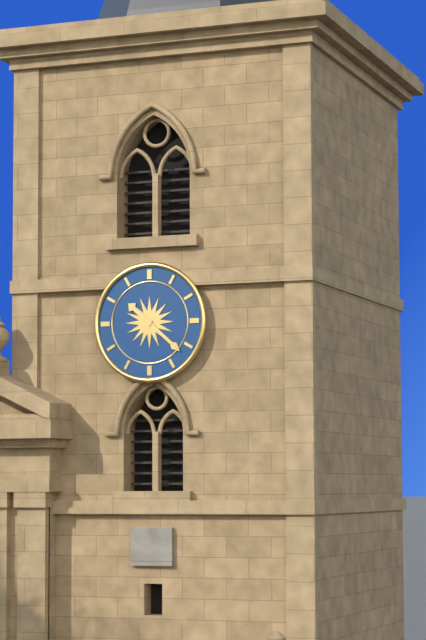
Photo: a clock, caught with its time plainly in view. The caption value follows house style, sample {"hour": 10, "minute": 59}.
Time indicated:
{"hour": 10, "minute": 22}
